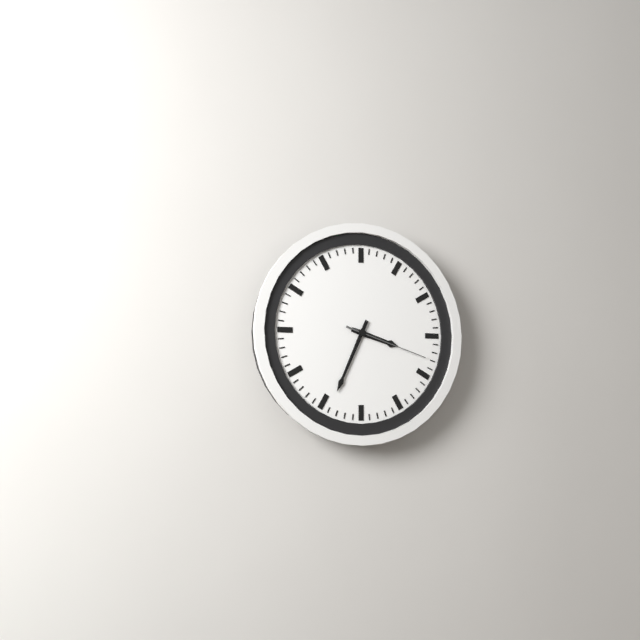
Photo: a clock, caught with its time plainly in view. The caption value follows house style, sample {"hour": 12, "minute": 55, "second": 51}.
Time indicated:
{"hour": 3, "minute": 34, "second": 18}
